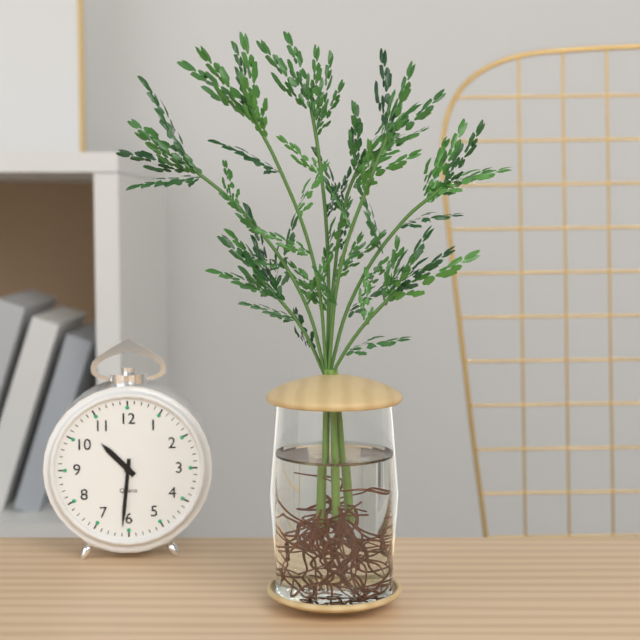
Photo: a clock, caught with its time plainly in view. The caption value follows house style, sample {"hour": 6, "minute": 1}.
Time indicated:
{"hour": 10, "minute": 31}
